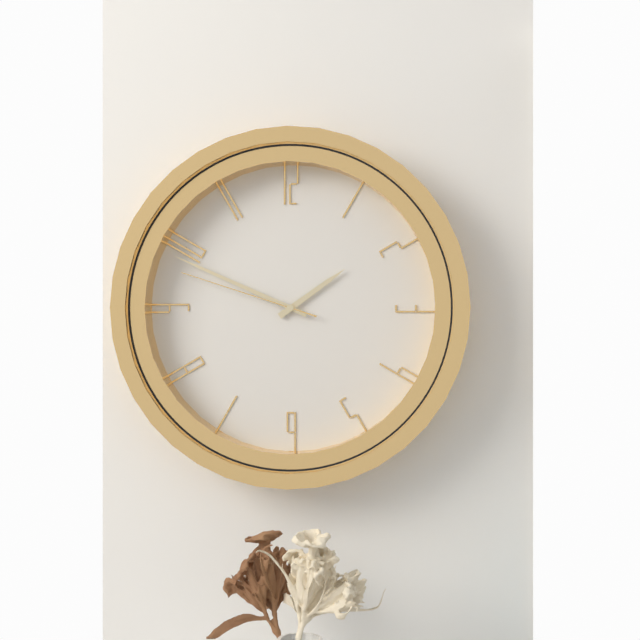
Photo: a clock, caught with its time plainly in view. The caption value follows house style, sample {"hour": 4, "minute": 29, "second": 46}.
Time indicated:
{"hour": 1, "minute": 49, "second": 48}
